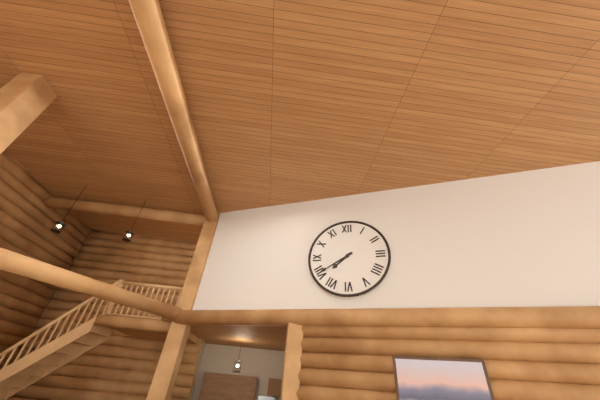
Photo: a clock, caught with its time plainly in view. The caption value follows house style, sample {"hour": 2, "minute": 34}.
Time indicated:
{"hour": 7, "minute": 40}
